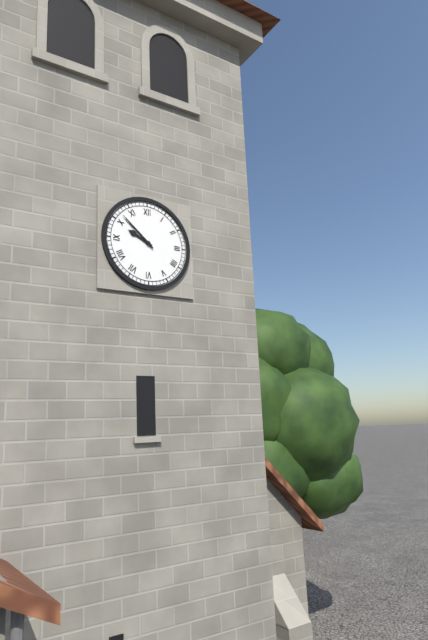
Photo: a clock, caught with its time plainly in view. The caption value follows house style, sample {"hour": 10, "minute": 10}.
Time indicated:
{"hour": 9, "minute": 52}
